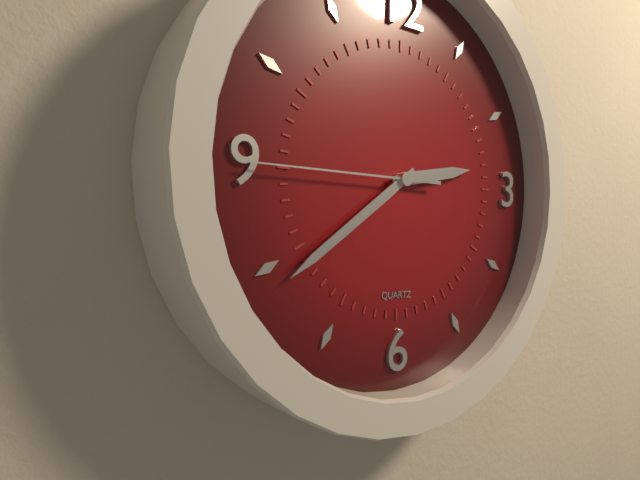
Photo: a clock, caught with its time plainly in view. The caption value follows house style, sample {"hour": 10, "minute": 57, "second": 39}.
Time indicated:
{"hour": 2, "minute": 39, "second": 45}
